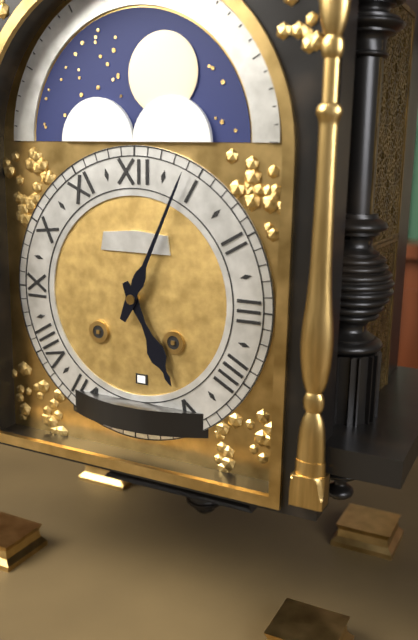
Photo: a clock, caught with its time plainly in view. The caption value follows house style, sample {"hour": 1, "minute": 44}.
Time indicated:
{"hour": 5, "minute": 4}
